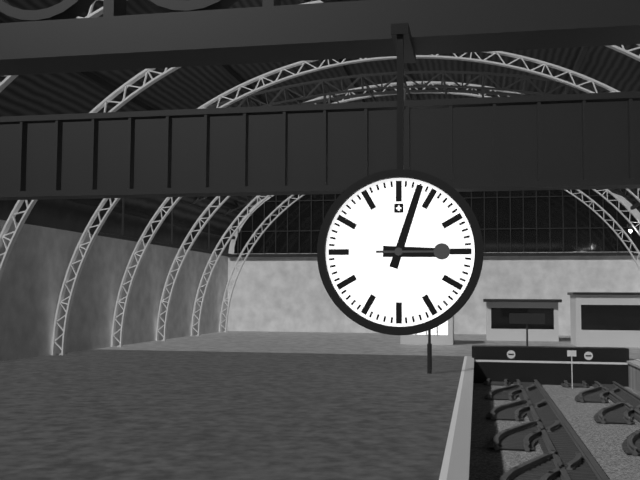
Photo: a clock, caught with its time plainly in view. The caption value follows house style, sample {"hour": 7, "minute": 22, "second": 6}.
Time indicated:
{"hour": 3, "minute": 3, "second": 15}
